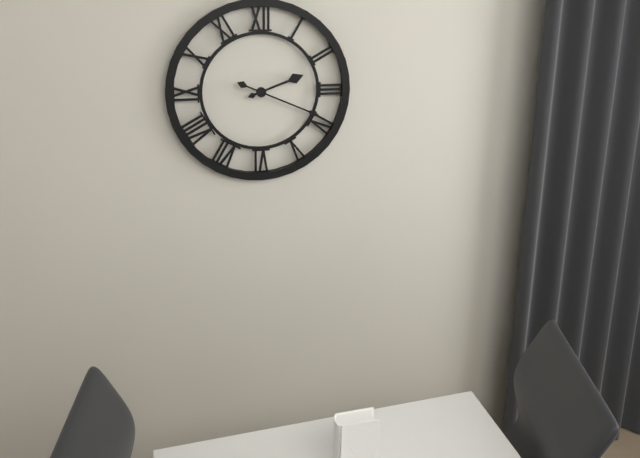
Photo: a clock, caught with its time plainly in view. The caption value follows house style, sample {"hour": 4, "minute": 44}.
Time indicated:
{"hour": 2, "minute": 19}
